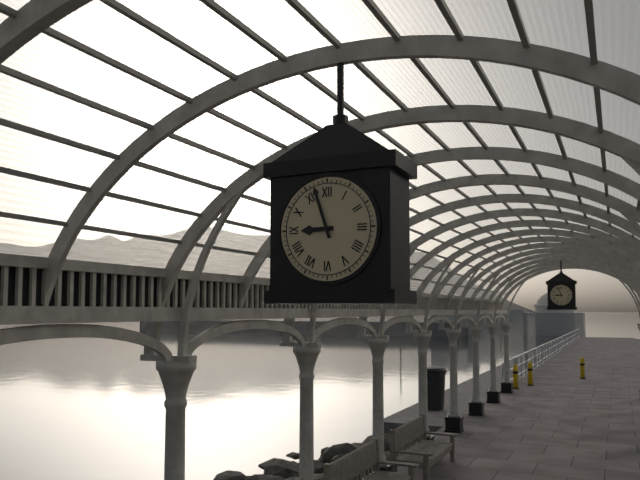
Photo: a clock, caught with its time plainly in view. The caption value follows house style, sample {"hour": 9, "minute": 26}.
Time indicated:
{"hour": 8, "minute": 57}
